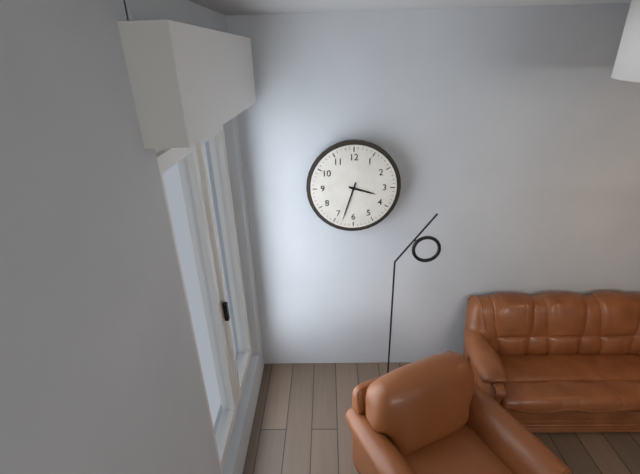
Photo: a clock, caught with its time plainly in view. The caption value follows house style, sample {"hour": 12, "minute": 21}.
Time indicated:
{"hour": 3, "minute": 33}
